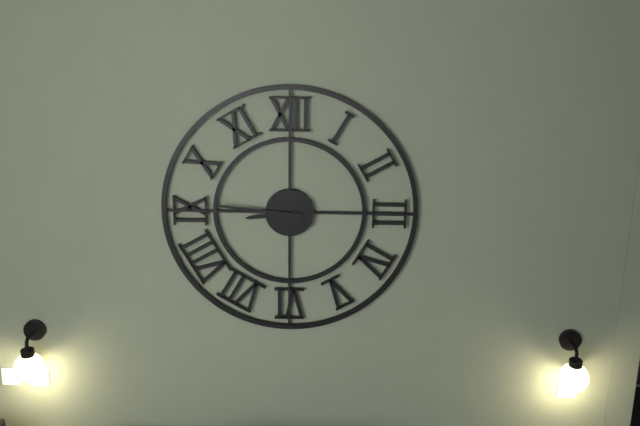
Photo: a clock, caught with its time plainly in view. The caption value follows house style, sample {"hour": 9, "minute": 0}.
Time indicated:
{"hour": 8, "minute": 46}
